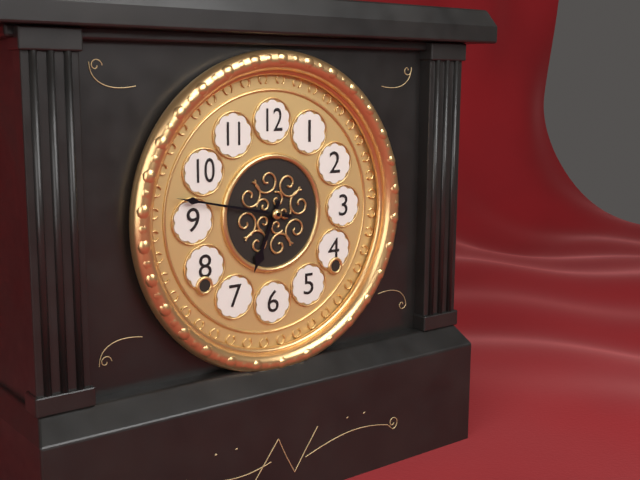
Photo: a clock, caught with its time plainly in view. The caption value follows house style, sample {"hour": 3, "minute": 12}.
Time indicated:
{"hour": 6, "minute": 47}
